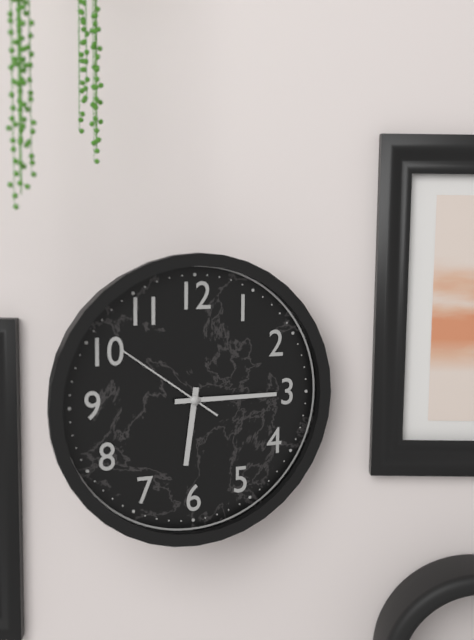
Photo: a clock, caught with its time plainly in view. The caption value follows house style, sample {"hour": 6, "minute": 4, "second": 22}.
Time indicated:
{"hour": 6, "minute": 15, "second": 51}
